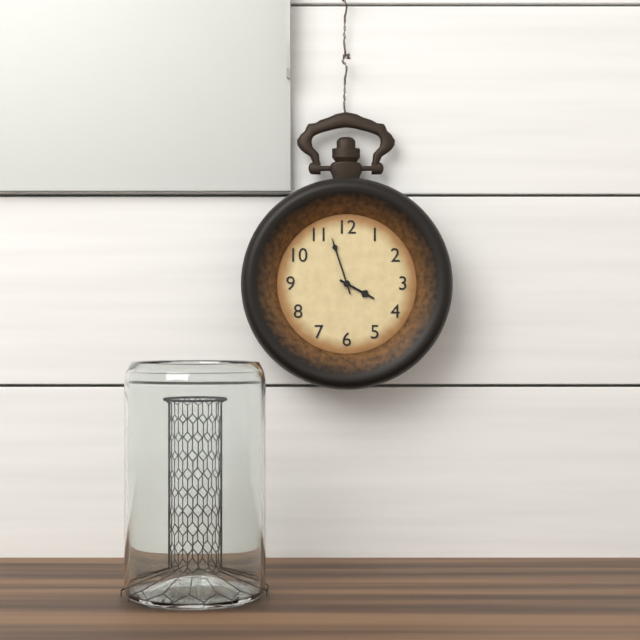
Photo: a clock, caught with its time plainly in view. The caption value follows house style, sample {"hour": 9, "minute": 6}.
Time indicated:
{"hour": 3, "minute": 57}
